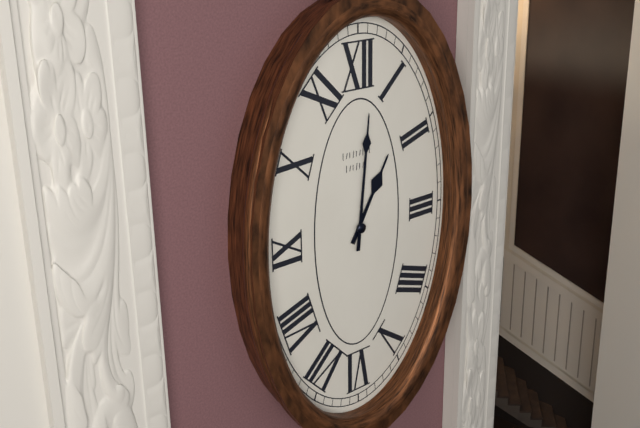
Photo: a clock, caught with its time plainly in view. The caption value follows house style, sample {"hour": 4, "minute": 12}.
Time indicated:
{"hour": 1, "minute": 1}
